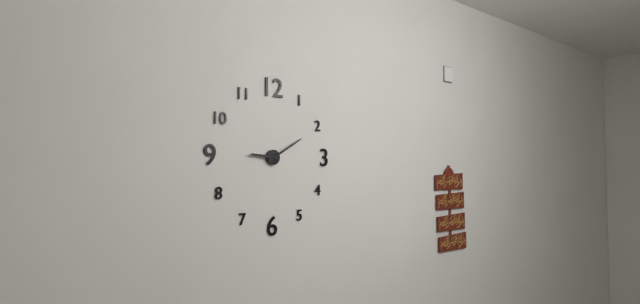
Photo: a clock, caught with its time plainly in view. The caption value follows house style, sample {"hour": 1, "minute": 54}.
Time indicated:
{"hour": 9, "minute": 10}
